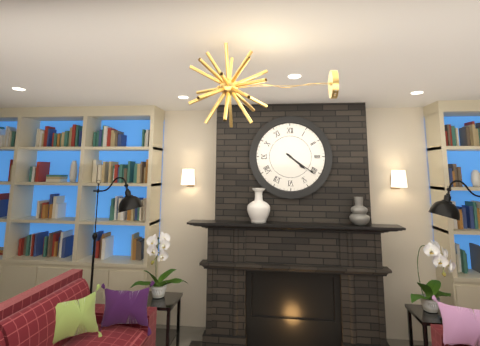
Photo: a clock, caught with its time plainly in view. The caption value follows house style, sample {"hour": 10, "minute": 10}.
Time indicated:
{"hour": 4, "minute": 21}
